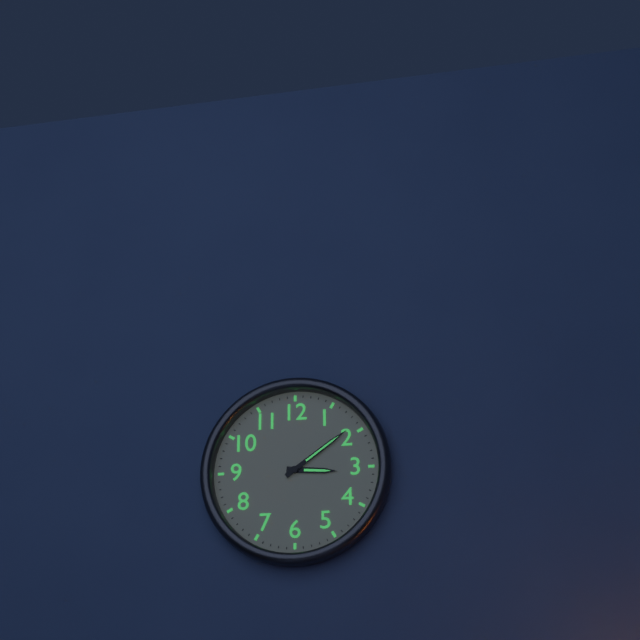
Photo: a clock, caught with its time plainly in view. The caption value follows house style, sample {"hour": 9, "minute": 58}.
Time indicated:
{"hour": 3, "minute": 9}
